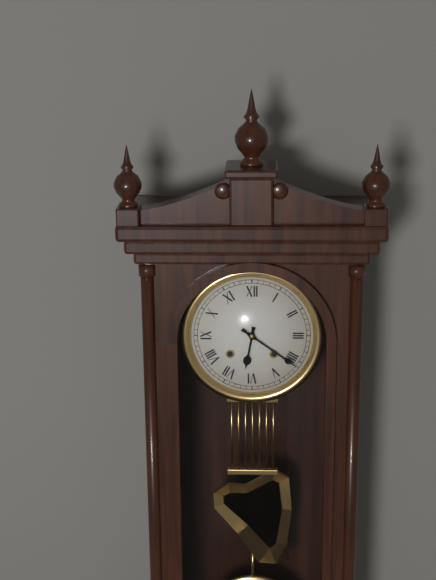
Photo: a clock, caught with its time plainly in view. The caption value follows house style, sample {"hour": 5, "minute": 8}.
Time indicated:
{"hour": 6, "minute": 21}
